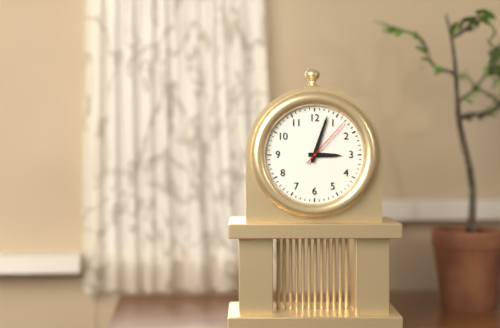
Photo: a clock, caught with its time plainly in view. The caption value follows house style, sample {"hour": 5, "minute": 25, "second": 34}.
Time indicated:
{"hour": 3, "minute": 3, "second": 7}
